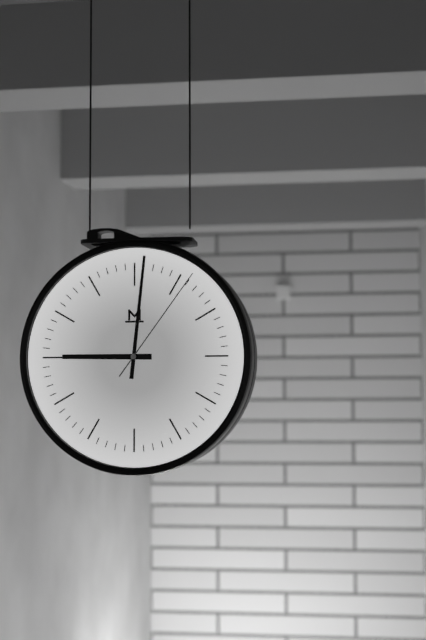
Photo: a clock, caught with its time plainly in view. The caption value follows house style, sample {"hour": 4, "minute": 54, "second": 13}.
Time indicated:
{"hour": 9, "minute": 1, "second": 6}
